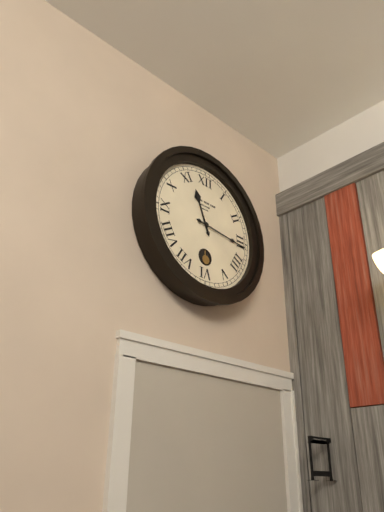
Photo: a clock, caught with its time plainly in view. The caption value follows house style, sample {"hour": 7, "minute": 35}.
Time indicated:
{"hour": 11, "minute": 16}
